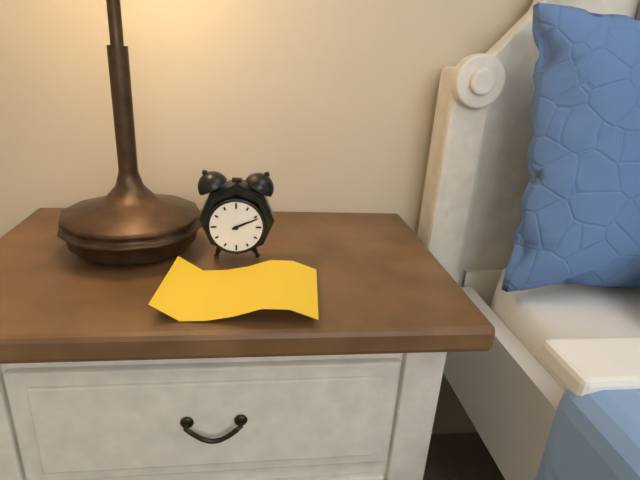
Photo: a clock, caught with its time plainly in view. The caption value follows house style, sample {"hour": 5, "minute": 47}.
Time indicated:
{"hour": 2, "minute": 11}
